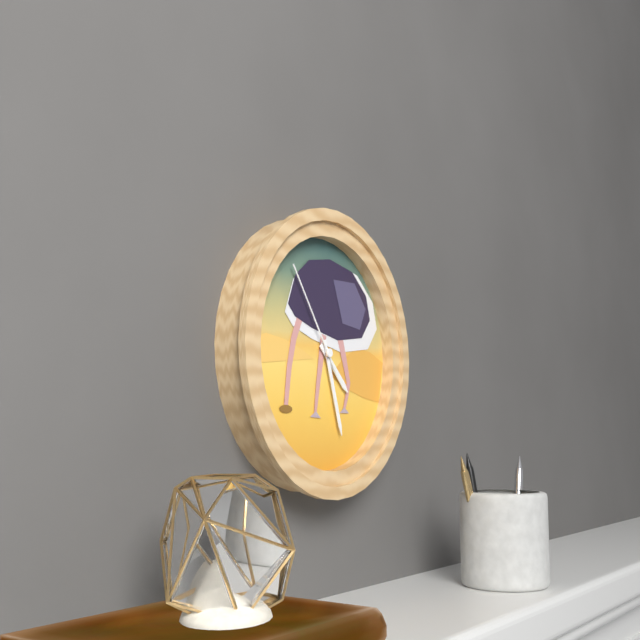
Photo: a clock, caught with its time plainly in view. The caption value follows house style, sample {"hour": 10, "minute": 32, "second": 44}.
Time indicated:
{"hour": 4, "minute": 27, "second": 54}
